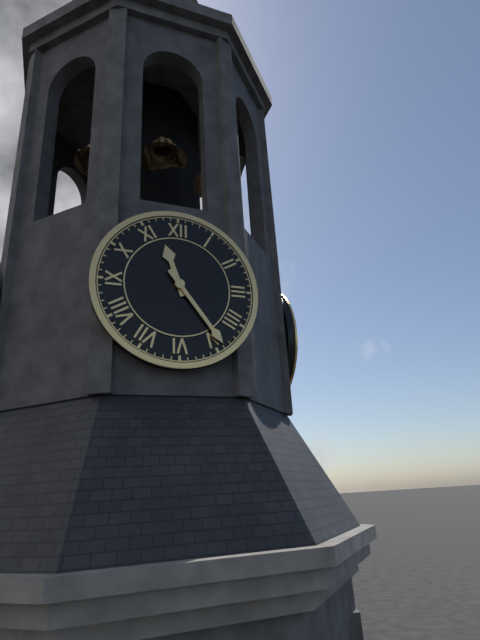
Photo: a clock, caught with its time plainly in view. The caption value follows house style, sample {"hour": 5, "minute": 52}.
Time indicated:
{"hour": 11, "minute": 24}
